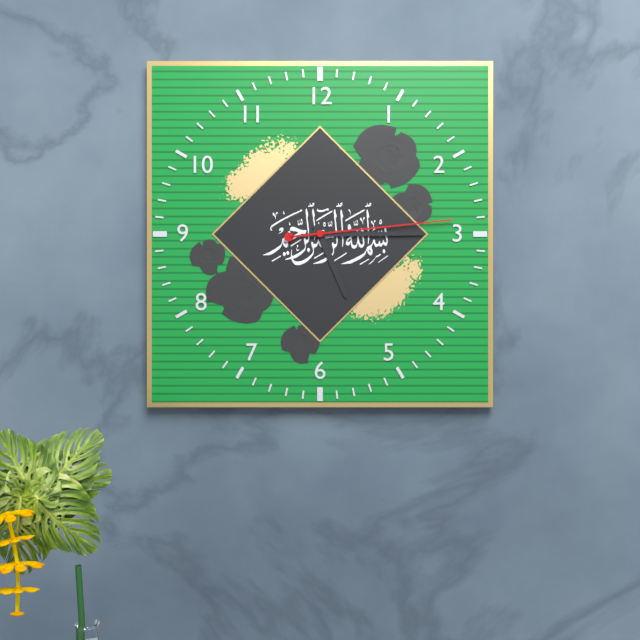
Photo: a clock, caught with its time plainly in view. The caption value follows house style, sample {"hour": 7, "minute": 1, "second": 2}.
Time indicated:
{"hour": 5, "minute": 15, "second": 14}
